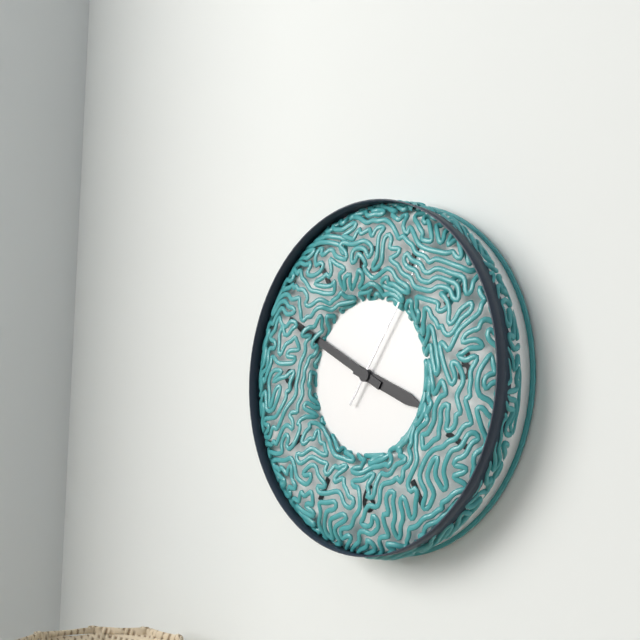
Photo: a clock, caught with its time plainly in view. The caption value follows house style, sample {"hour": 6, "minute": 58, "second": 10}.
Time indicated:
{"hour": 3, "minute": 50, "second": 6}
